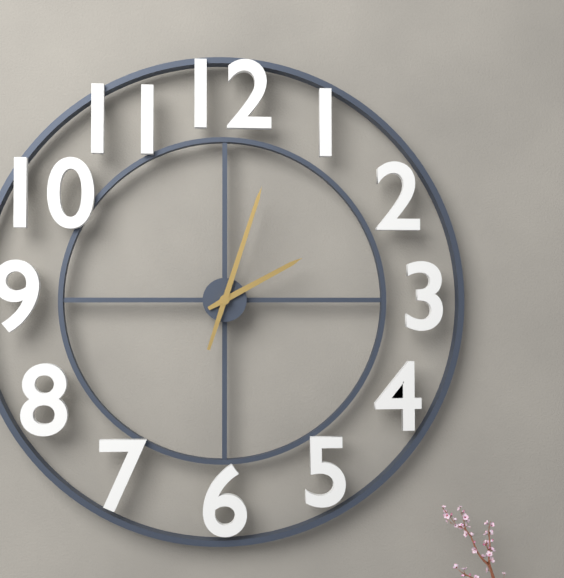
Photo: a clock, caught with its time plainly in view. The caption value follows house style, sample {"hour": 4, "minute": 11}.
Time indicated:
{"hour": 2, "minute": 3}
